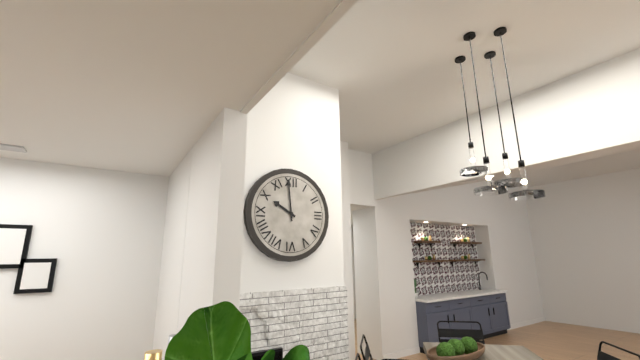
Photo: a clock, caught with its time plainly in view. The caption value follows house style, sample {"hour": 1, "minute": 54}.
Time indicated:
{"hour": 9, "minute": 59}
